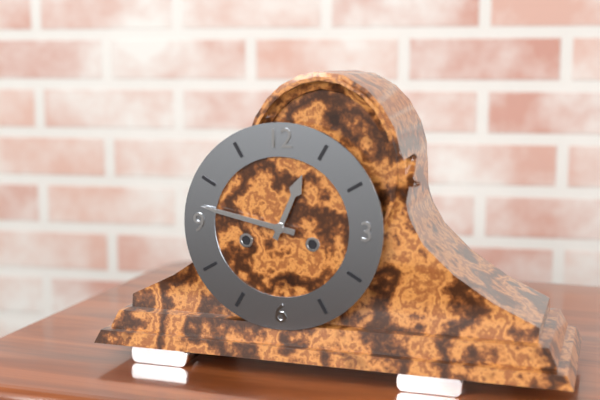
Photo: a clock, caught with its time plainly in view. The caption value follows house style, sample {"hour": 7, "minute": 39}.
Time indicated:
{"hour": 12, "minute": 47}
